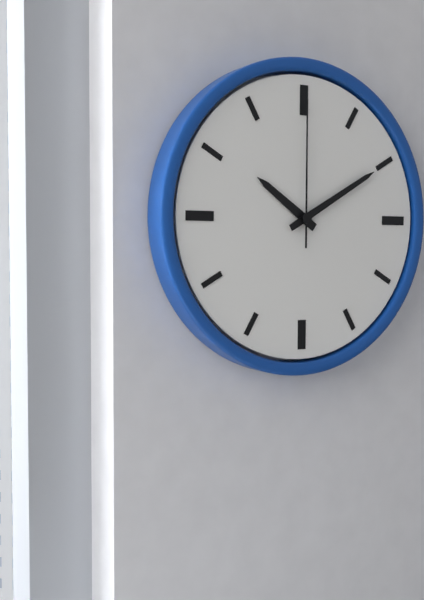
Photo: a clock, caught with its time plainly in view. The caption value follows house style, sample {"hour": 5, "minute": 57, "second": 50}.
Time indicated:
{"hour": 10, "minute": 10, "second": 0}
